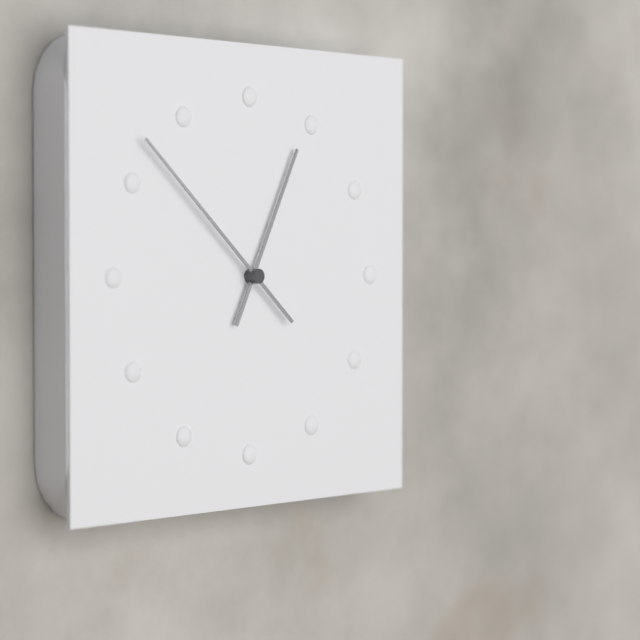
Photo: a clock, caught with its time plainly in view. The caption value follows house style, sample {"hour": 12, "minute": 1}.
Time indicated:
{"hour": 12, "minute": 52}
